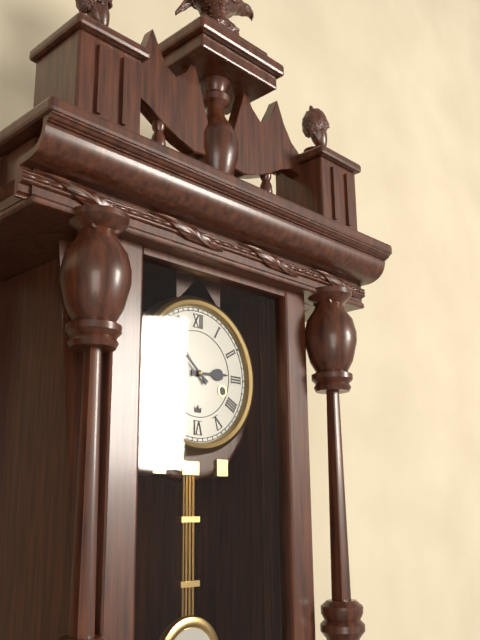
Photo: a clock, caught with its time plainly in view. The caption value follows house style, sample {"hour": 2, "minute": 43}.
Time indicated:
{"hour": 2, "minute": 52}
